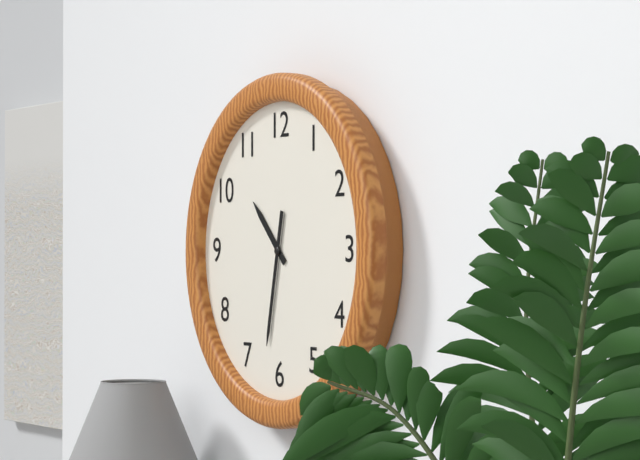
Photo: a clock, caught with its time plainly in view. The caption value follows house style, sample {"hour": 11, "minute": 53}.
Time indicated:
{"hour": 10, "minute": 32}
